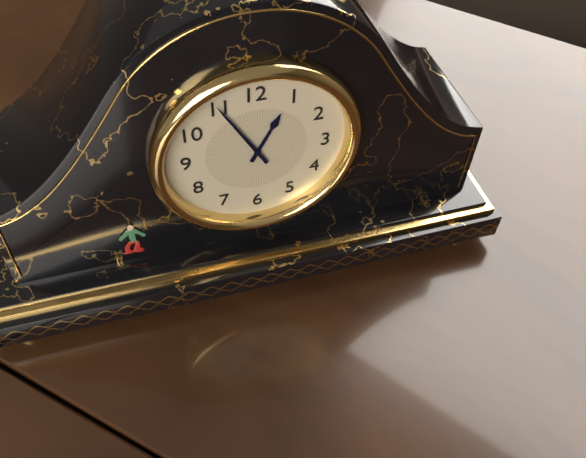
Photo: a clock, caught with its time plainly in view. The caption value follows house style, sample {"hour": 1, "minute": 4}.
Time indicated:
{"hour": 12, "minute": 55}
